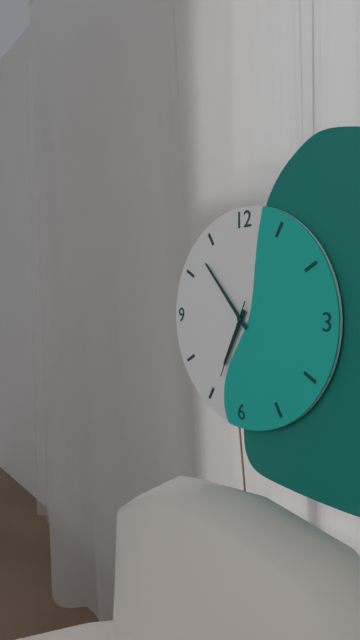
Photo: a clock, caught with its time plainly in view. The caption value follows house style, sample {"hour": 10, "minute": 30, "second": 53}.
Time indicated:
{"hour": 6, "minute": 53, "second": 34}
